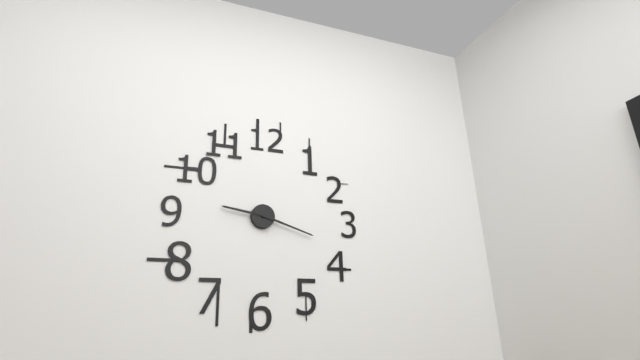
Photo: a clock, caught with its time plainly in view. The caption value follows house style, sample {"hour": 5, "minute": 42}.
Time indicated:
{"hour": 9, "minute": 18}
